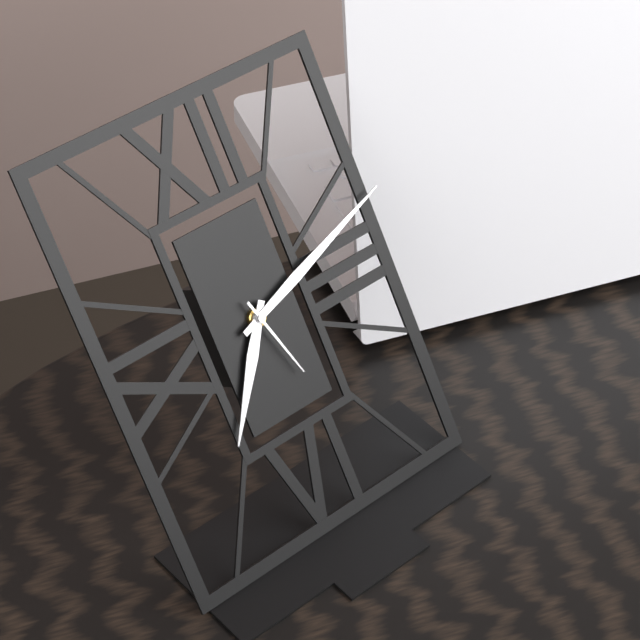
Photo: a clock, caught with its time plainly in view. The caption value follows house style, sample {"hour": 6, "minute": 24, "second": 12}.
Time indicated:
{"hour": 7, "minute": 12, "second": 27}
